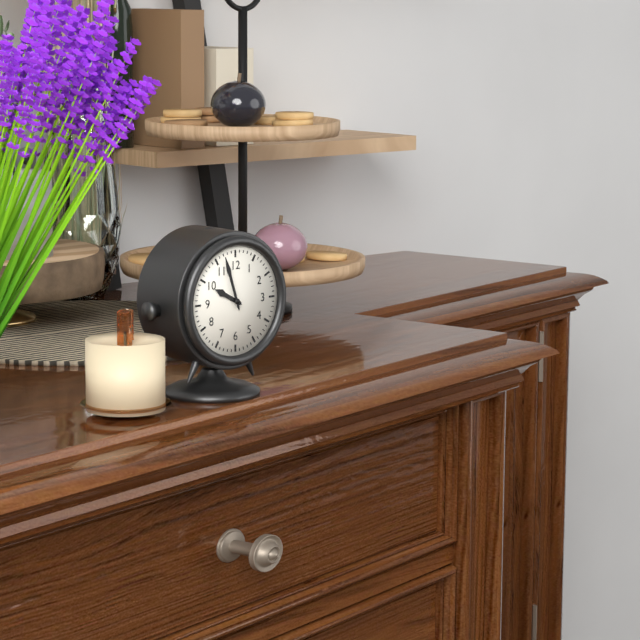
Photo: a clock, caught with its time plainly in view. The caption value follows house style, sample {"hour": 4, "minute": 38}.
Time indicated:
{"hour": 9, "minute": 57}
